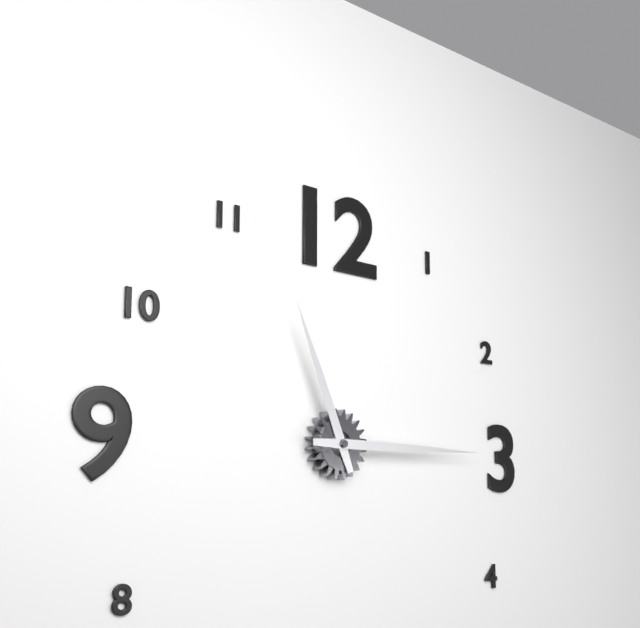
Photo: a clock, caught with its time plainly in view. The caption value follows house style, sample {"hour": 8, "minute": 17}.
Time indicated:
{"hour": 11, "minute": 15}
